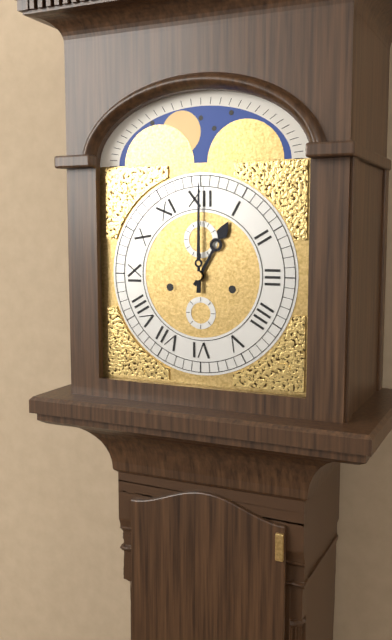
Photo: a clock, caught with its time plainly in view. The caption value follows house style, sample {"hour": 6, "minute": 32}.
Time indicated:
{"hour": 1, "minute": 0}
